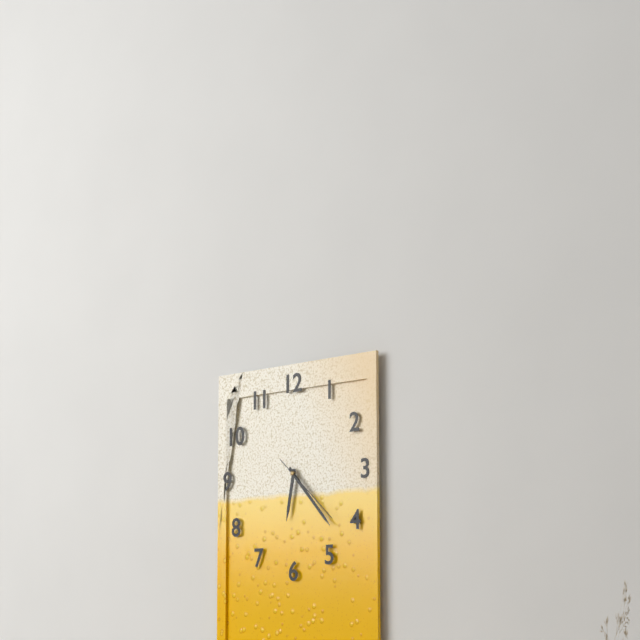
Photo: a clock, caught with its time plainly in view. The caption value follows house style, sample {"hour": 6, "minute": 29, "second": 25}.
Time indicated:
{"hour": 6, "minute": 23, "second": 22}
